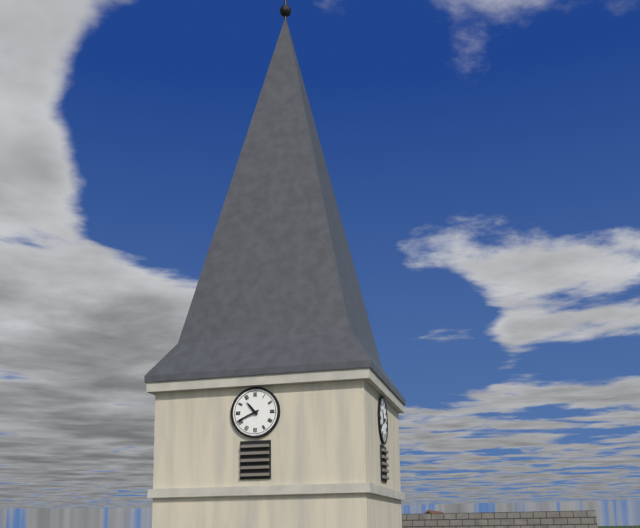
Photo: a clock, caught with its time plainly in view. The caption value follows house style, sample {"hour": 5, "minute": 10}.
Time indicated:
{"hour": 10, "minute": 41}
